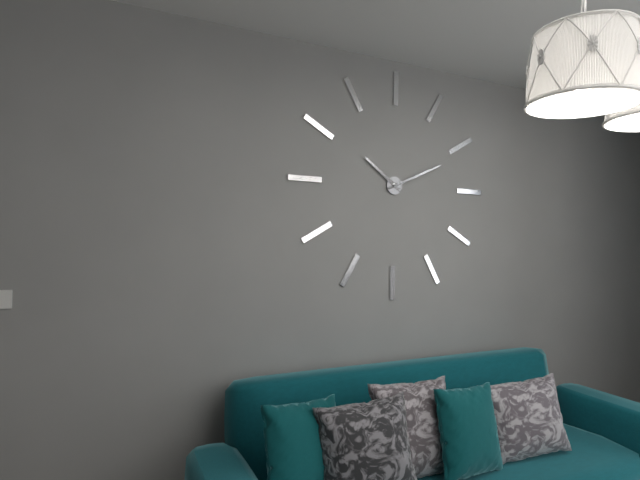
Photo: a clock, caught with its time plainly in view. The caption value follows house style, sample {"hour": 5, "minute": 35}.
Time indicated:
{"hour": 10, "minute": 11}
